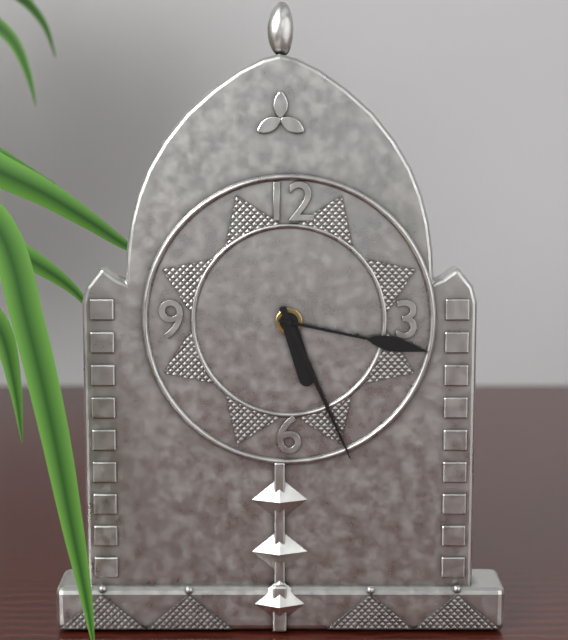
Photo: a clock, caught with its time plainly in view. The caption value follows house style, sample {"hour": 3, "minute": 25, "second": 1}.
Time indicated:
{"hour": 5, "minute": 26, "second": 17}
